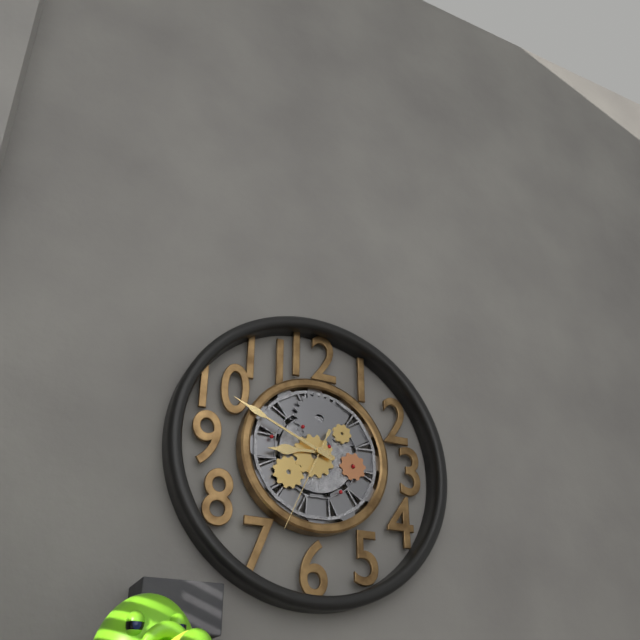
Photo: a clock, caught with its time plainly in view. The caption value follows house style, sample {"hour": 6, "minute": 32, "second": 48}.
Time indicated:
{"hour": 8, "minute": 49, "second": 34}
